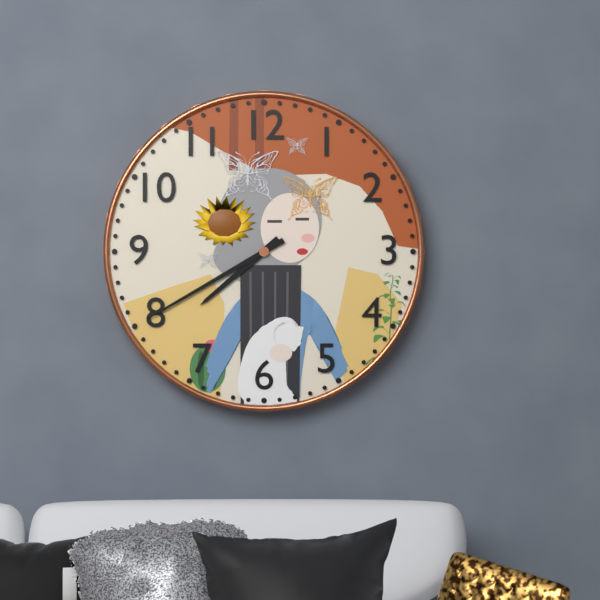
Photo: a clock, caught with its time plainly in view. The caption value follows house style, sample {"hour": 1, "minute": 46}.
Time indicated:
{"hour": 7, "minute": 40}
